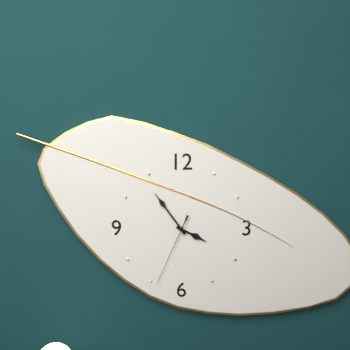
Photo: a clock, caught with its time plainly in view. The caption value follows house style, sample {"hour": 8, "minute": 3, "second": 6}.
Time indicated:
{"hour": 3, "minute": 54, "second": 34}
